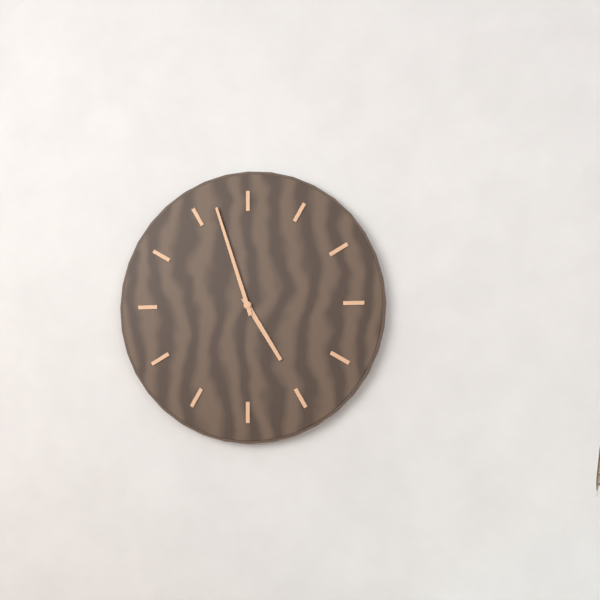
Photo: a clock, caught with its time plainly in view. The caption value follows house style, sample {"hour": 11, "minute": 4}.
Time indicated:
{"hour": 4, "minute": 57}
